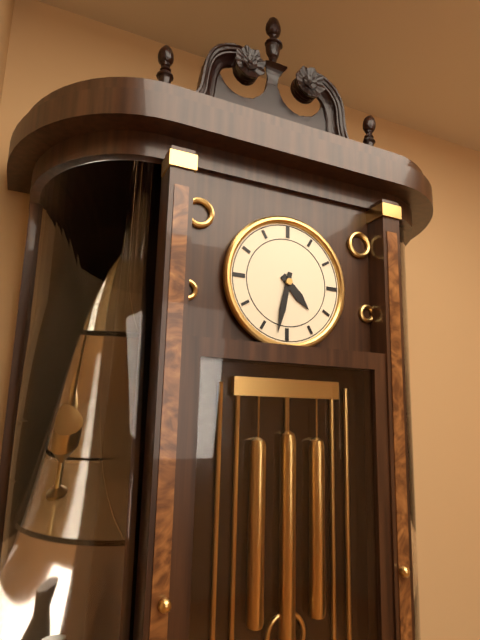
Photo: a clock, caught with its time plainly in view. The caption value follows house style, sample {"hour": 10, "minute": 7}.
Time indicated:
{"hour": 4, "minute": 32}
